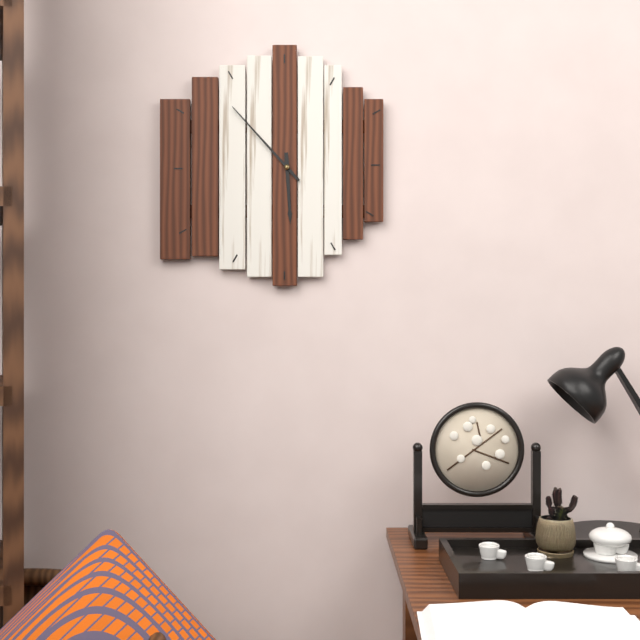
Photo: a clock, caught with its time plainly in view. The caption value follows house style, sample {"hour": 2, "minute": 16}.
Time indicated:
{"hour": 5, "minute": 53}
